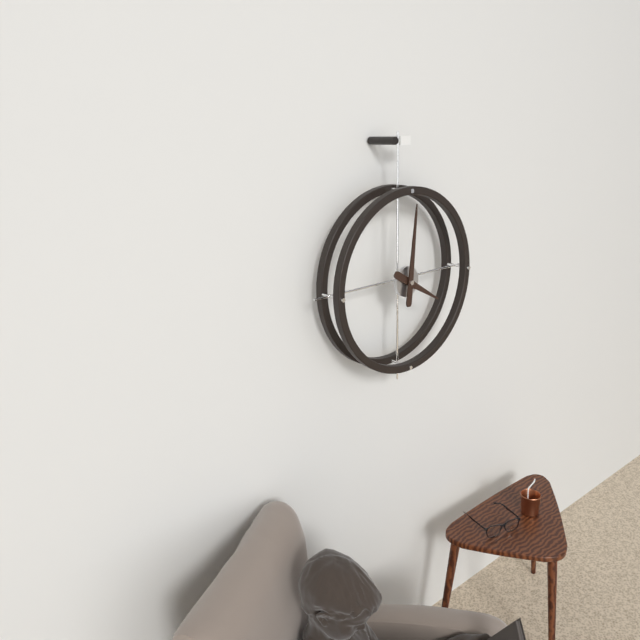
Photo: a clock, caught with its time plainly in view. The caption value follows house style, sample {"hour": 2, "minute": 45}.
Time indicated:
{"hour": 4, "minute": 1}
